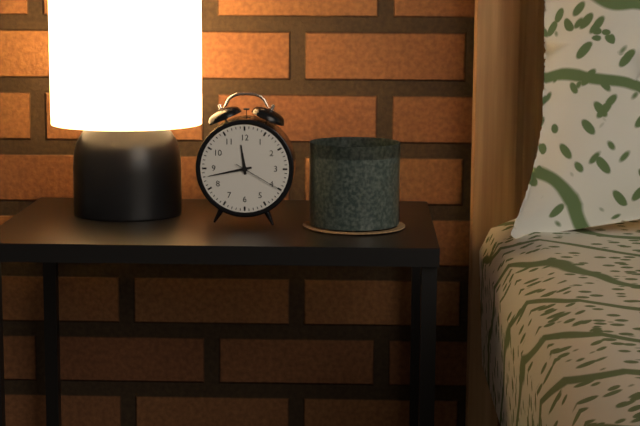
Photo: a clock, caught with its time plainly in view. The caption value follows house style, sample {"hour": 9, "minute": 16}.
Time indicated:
{"hour": 11, "minute": 43}
